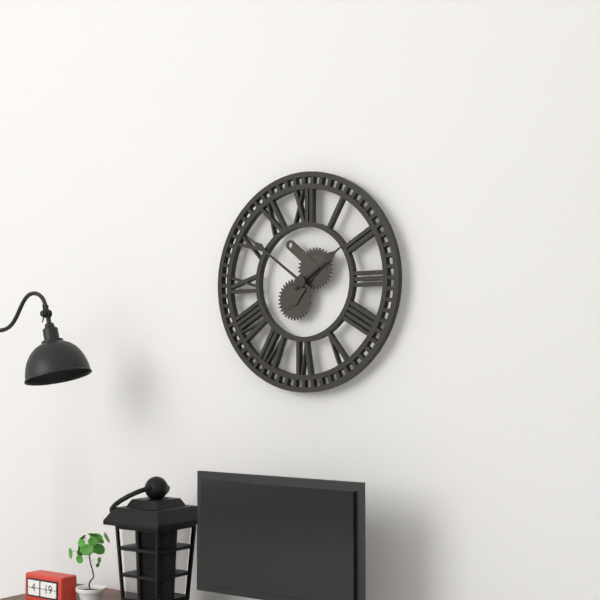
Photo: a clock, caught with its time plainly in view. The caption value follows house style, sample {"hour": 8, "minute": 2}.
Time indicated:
{"hour": 1, "minute": 51}
